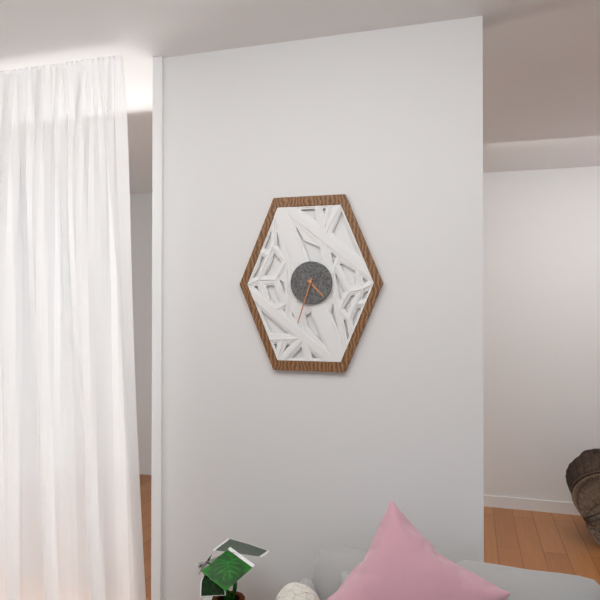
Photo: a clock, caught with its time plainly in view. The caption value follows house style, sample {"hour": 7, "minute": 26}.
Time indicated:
{"hour": 4, "minute": 33}
